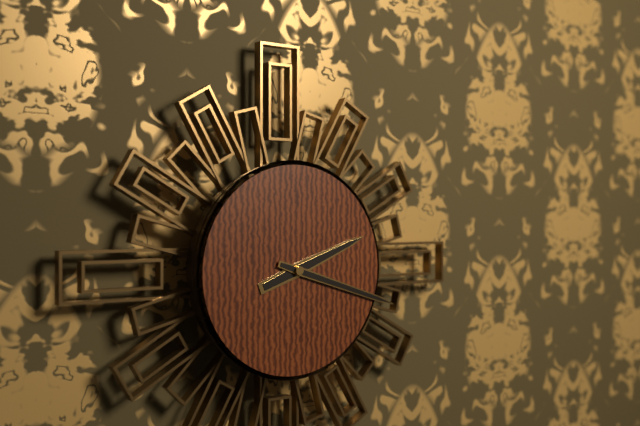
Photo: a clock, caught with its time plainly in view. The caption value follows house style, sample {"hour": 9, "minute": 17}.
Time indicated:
{"hour": 2, "minute": 18}
